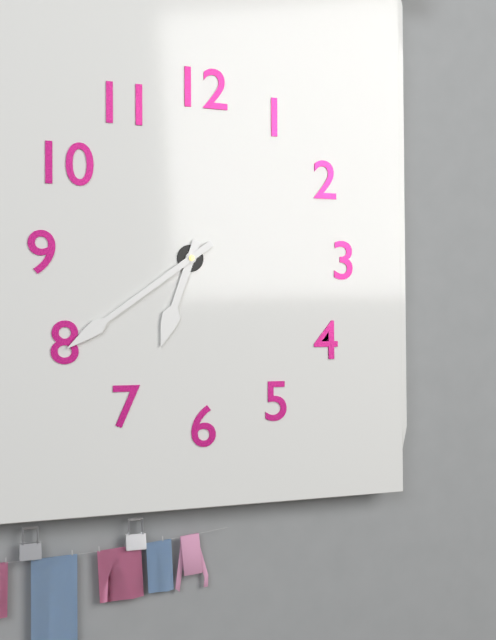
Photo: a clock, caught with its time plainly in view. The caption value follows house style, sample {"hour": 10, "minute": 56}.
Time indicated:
{"hour": 6, "minute": 39}
